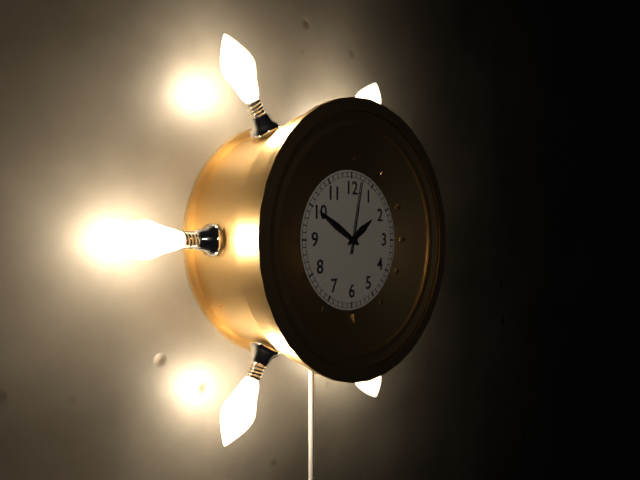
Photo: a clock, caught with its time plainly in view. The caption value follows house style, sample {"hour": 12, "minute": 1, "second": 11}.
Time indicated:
{"hour": 1, "minute": 50, "second": 2}
